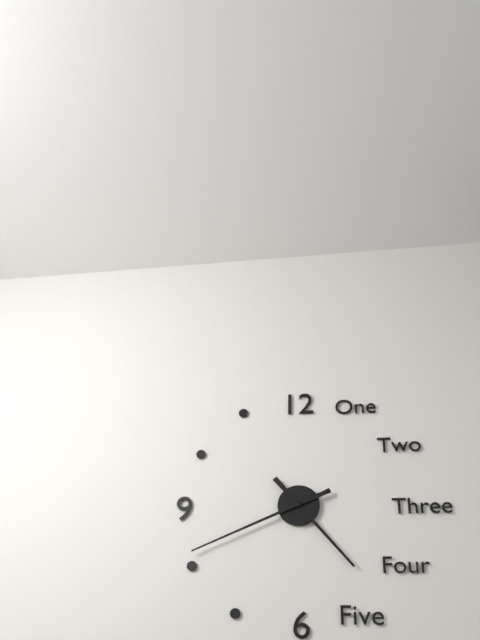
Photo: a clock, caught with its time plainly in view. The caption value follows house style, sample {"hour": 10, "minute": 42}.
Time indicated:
{"hour": 4, "minute": 41}
